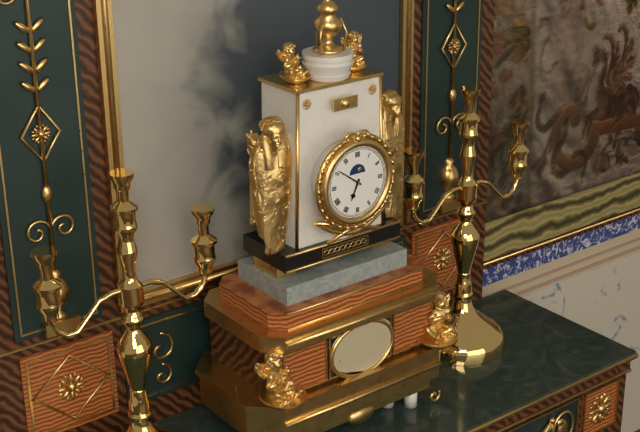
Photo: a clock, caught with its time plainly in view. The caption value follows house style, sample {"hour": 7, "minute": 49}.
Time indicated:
{"hour": 6, "minute": 51}
